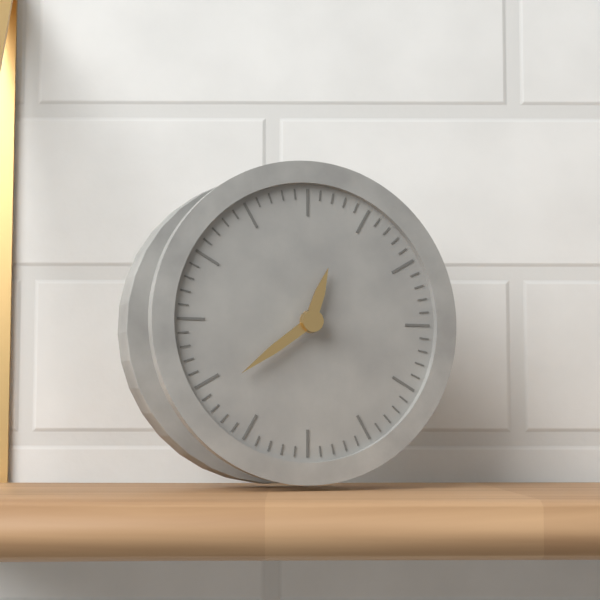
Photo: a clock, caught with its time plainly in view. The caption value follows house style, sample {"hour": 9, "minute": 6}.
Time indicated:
{"hour": 12, "minute": 39}
